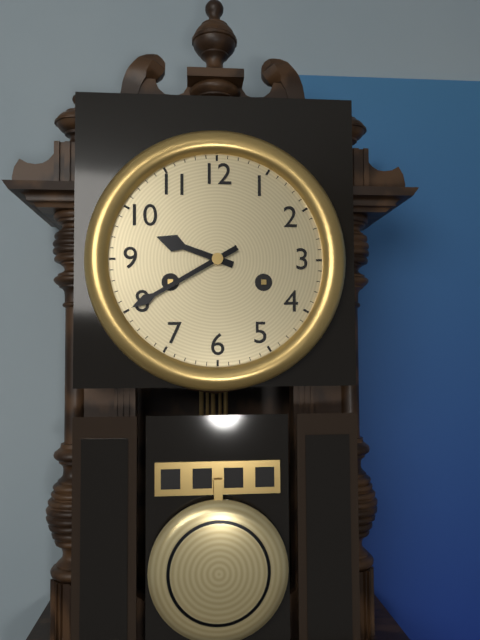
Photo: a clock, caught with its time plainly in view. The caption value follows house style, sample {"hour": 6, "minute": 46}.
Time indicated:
{"hour": 9, "minute": 40}
